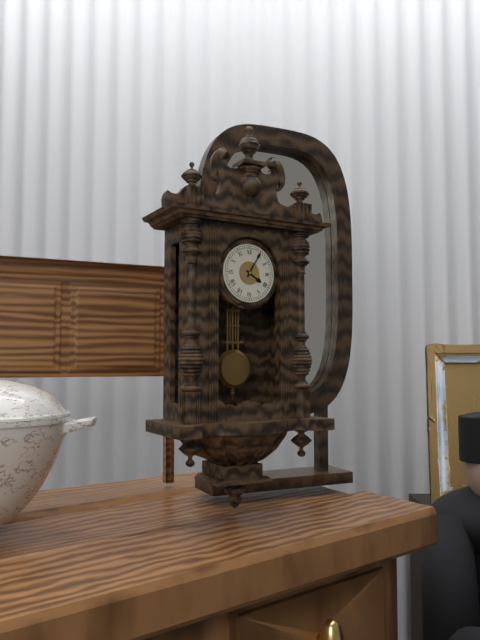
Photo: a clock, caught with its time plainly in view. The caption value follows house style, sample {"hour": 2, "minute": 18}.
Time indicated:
{"hour": 4, "minute": 5}
